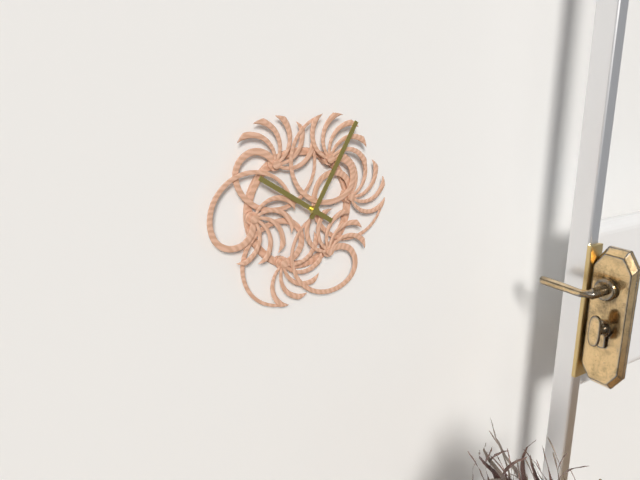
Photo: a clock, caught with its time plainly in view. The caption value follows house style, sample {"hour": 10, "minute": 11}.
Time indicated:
{"hour": 10, "minute": 5}
